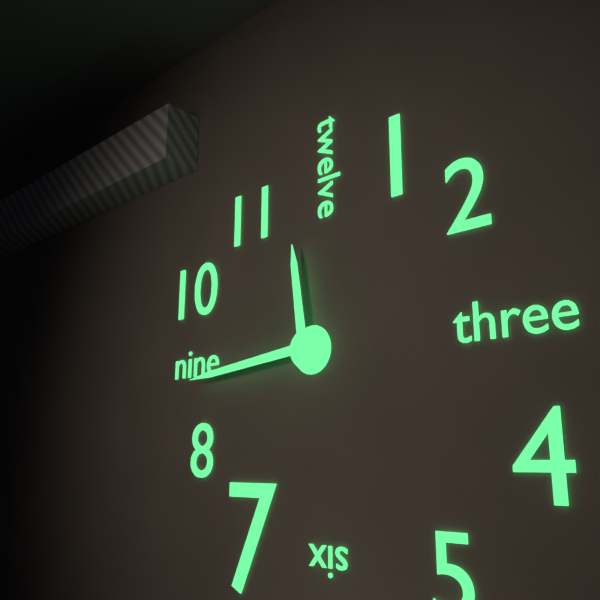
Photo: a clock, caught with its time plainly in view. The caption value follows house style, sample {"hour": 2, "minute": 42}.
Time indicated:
{"hour": 11, "minute": 44}
